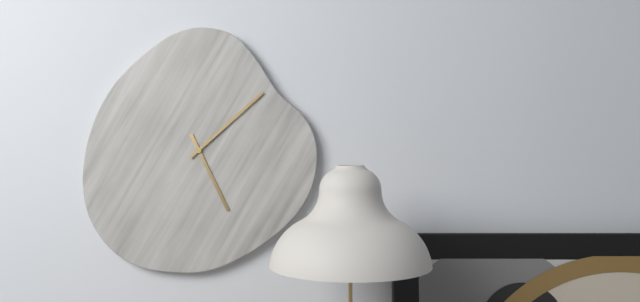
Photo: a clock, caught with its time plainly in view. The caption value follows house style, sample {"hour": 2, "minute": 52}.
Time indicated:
{"hour": 5, "minute": 8}
